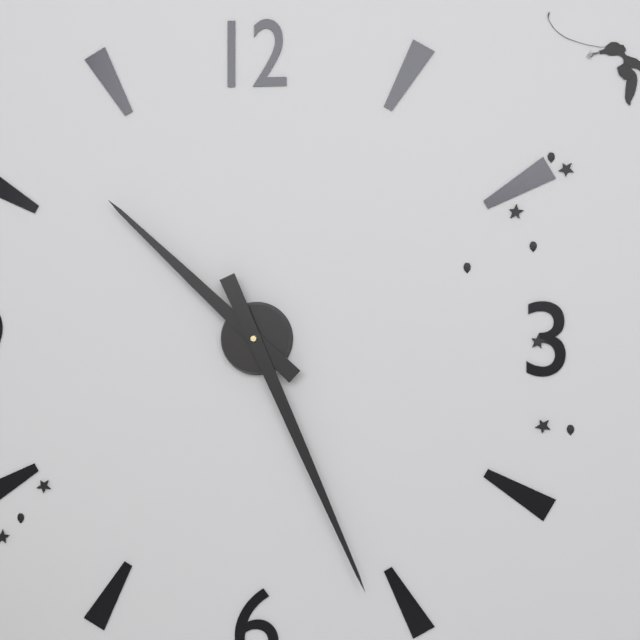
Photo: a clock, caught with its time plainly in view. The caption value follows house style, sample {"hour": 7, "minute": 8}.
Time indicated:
{"hour": 10, "minute": 26}
